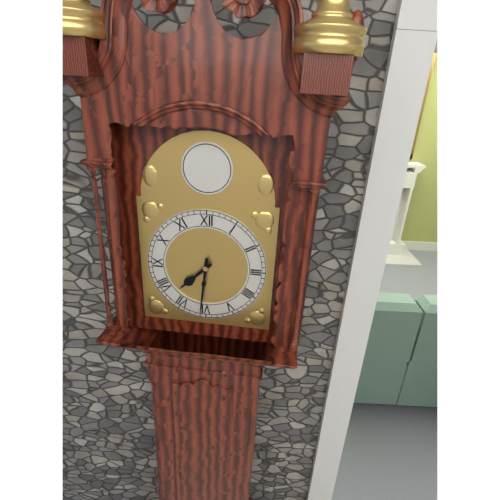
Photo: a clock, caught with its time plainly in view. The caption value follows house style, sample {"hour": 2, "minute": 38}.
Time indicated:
{"hour": 7, "minute": 31}
